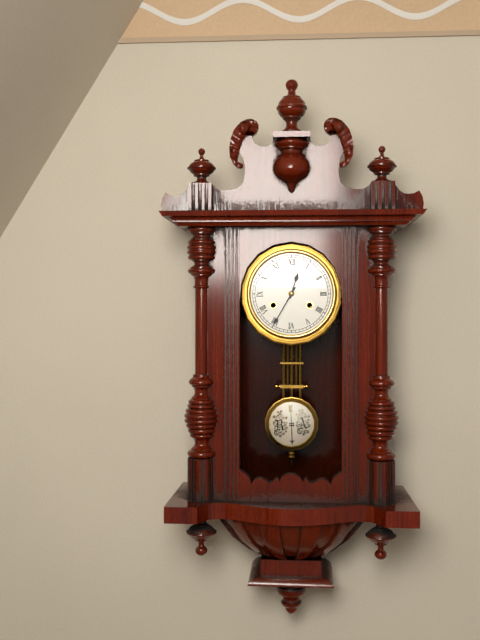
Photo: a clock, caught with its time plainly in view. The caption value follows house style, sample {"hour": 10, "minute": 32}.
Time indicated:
{"hour": 12, "minute": 35}
